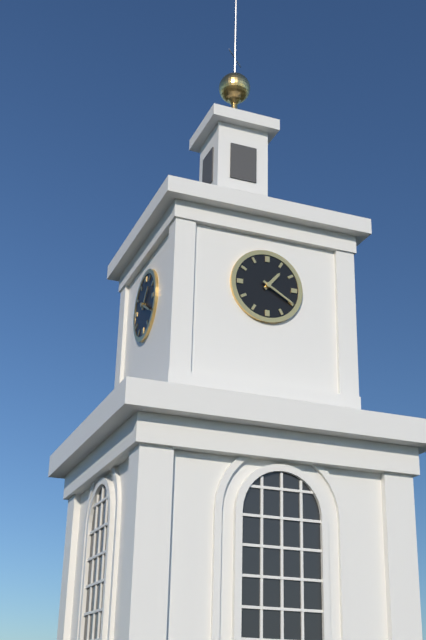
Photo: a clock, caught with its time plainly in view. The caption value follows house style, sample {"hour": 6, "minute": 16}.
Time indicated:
{"hour": 1, "minute": 20}
